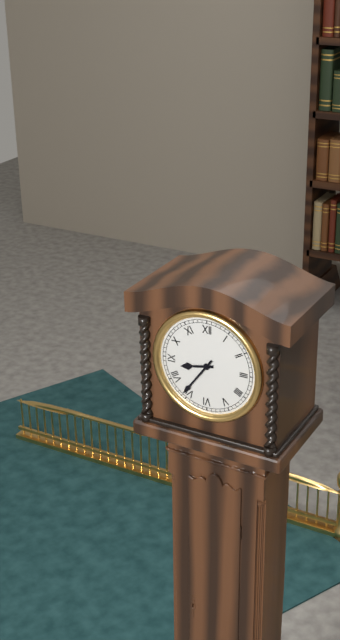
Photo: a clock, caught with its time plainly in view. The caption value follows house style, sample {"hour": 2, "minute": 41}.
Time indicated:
{"hour": 8, "minute": 36}
